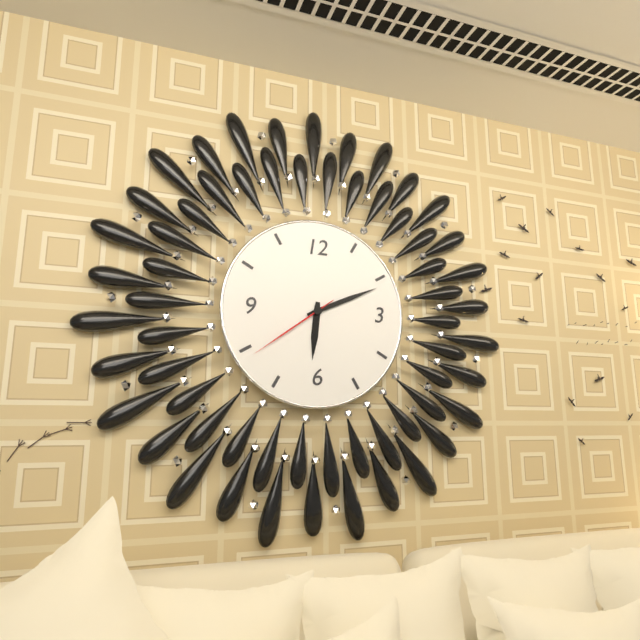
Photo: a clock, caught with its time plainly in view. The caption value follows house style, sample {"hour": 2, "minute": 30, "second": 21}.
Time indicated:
{"hour": 6, "minute": 11, "second": 39}
